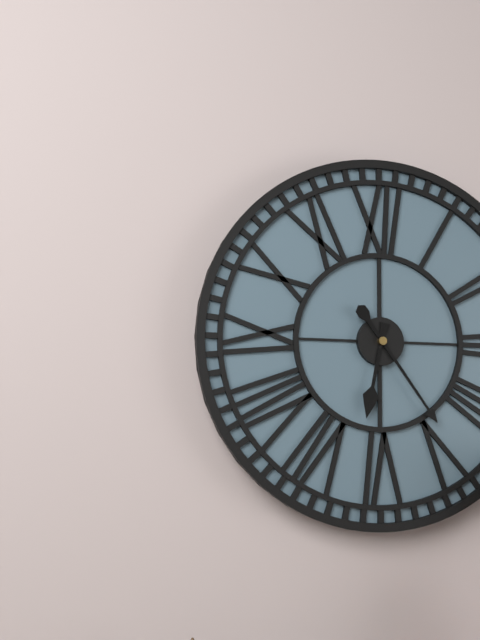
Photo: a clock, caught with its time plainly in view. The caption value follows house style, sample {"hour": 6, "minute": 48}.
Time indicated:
{"hour": 6, "minute": 24}
